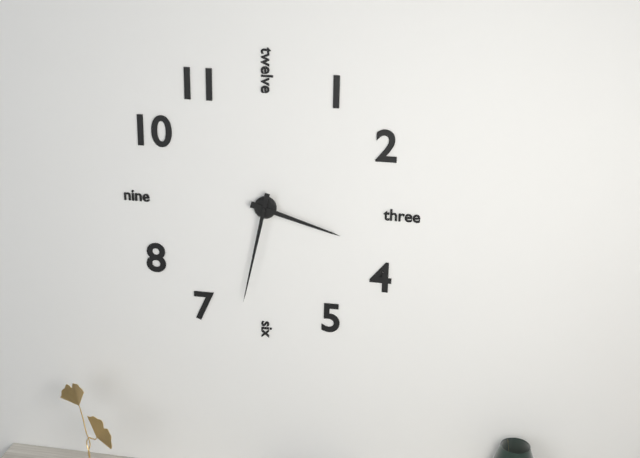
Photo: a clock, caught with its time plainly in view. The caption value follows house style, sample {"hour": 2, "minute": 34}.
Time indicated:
{"hour": 3, "minute": 32}
